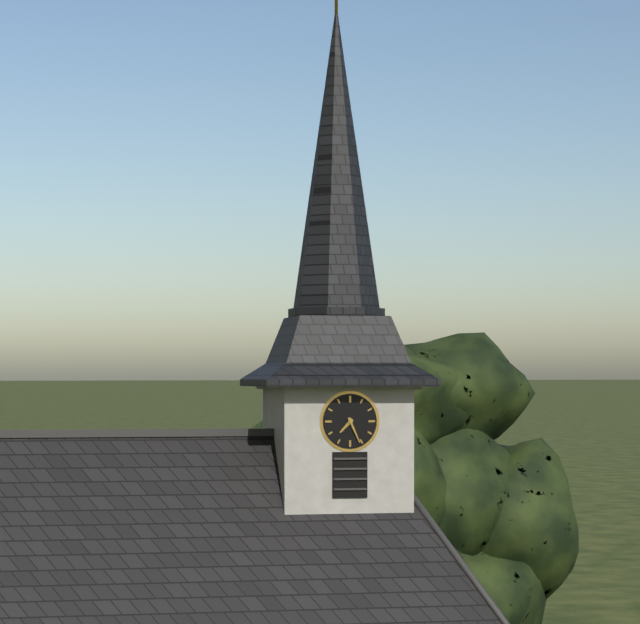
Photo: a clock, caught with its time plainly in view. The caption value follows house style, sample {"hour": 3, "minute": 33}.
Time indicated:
{"hour": 7, "minute": 26}
